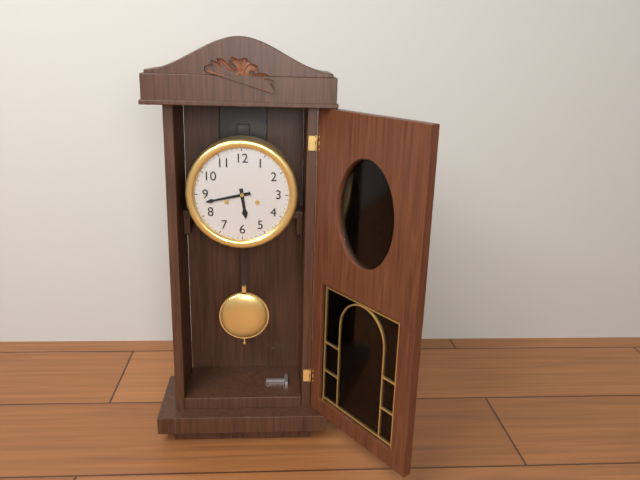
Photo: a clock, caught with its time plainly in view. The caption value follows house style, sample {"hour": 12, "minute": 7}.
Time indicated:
{"hour": 5, "minute": 43}
